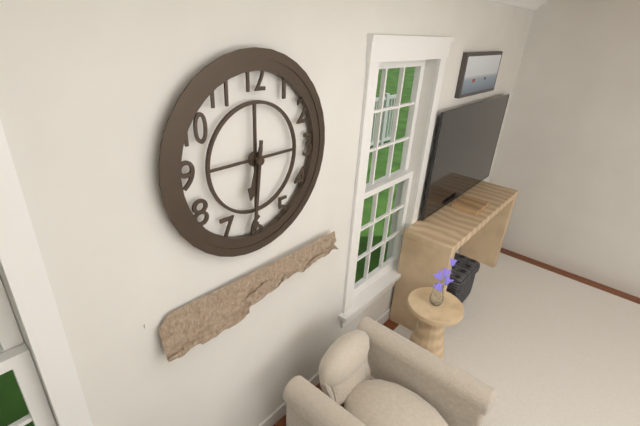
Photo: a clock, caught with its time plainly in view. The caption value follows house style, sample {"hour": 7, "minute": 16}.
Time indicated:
{"hour": 6, "minute": 31}
